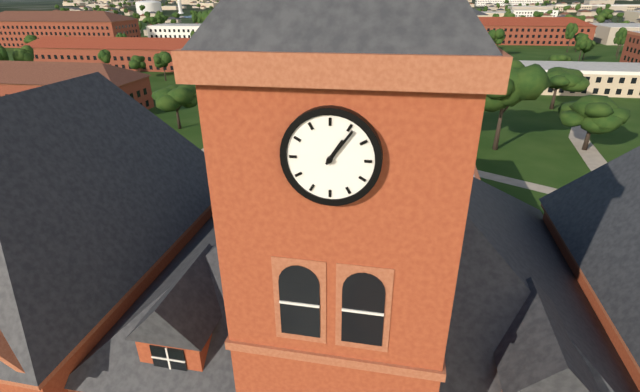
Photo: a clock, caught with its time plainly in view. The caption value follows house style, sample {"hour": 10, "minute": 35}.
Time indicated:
{"hour": 1, "minute": 6}
